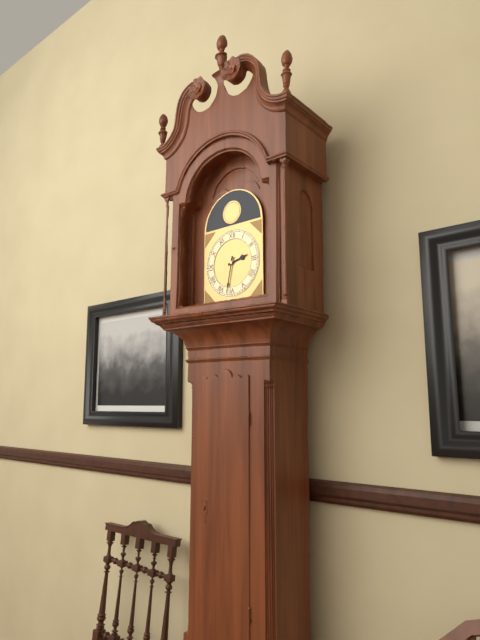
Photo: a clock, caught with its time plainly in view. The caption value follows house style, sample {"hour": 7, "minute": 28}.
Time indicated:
{"hour": 2, "minute": 32}
